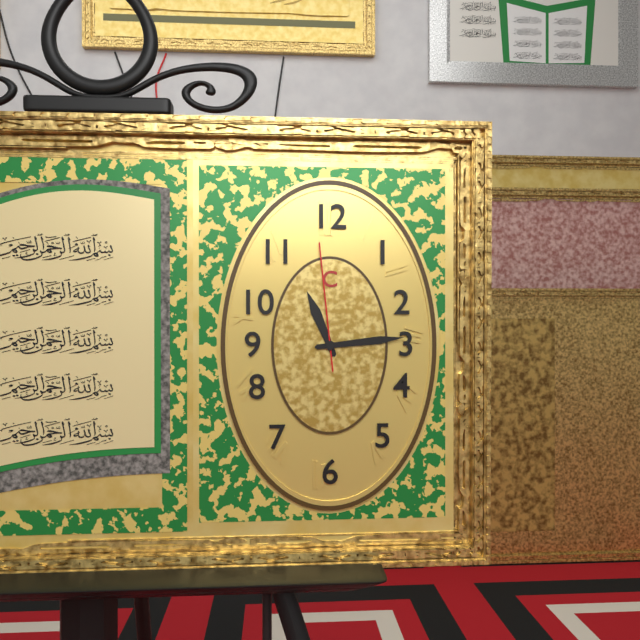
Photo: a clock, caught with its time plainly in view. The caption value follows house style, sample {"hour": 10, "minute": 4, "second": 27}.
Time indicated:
{"hour": 11, "minute": 14, "second": 59}
